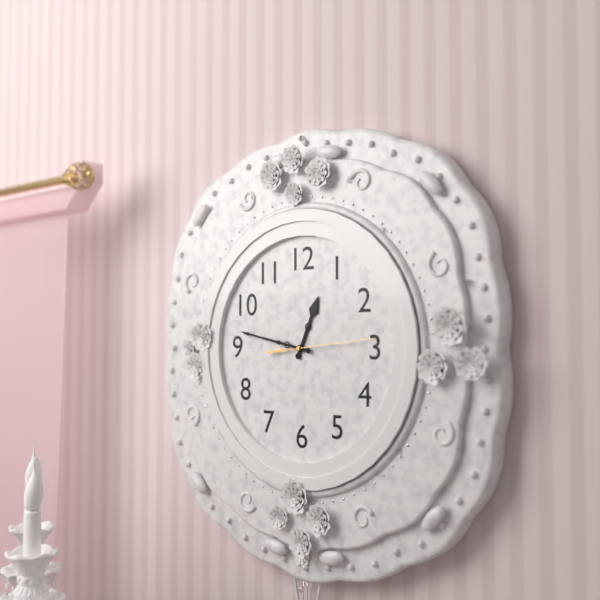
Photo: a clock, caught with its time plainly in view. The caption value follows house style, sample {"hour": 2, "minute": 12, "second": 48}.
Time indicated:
{"hour": 12, "minute": 47, "second": 14}
